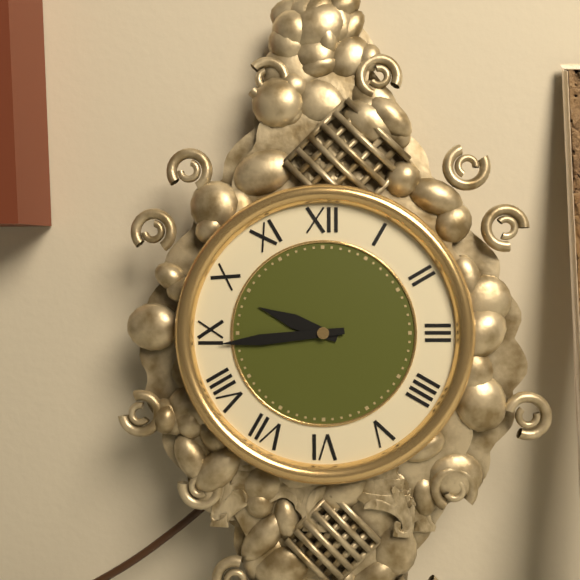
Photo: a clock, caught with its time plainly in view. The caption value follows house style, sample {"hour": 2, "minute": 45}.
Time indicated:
{"hour": 9, "minute": 44}
